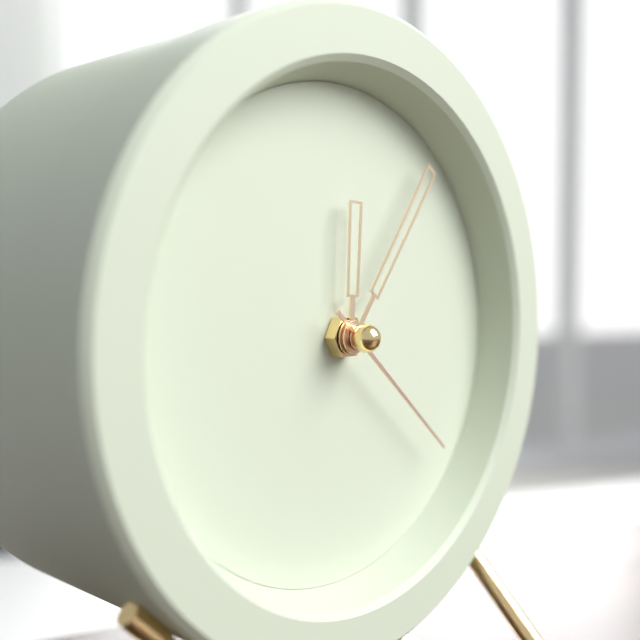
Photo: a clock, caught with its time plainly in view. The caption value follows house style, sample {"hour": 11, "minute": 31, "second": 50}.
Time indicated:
{"hour": 12, "minute": 6, "second": 22}
